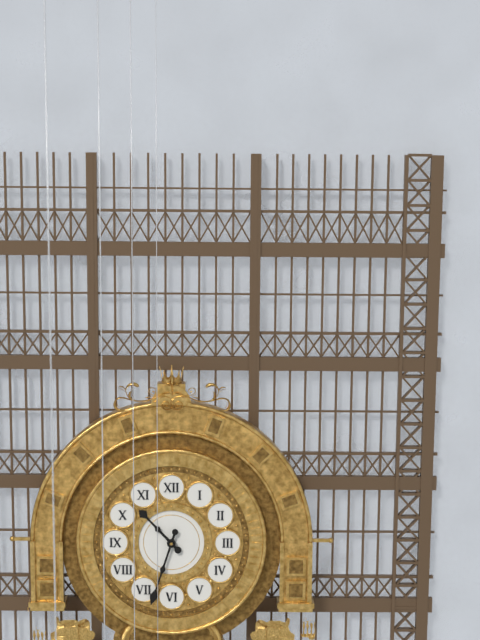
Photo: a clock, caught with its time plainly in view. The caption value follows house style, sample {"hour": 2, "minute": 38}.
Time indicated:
{"hour": 10, "minute": 33}
